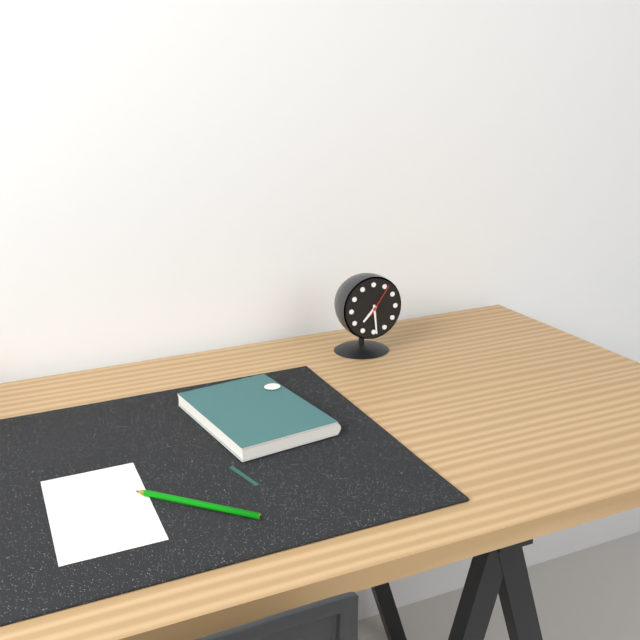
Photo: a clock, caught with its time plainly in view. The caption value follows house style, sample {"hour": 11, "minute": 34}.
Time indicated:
{"hour": 7, "minute": 29}
